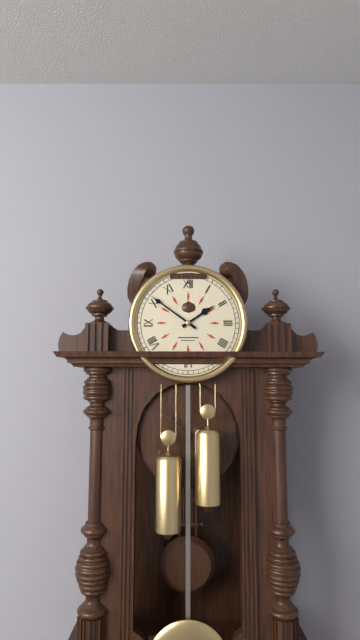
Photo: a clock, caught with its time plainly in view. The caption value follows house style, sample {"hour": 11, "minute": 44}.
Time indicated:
{"hour": 1, "minute": 51}
